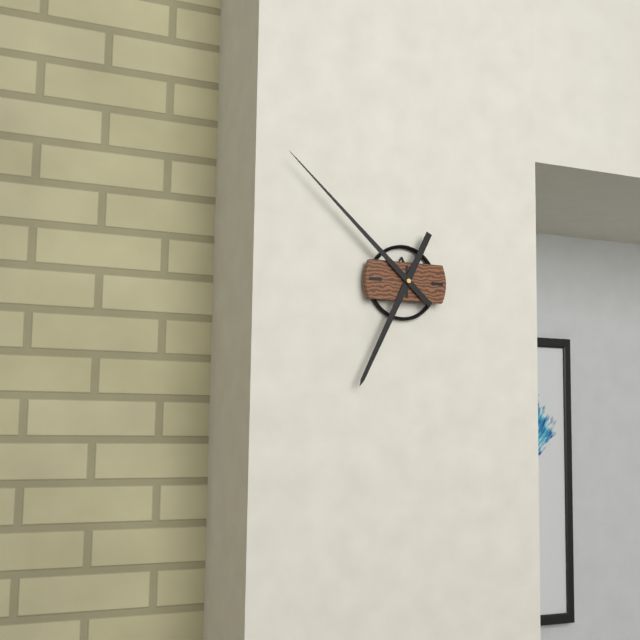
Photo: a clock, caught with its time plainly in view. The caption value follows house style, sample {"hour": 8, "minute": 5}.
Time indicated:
{"hour": 6, "minute": 52}
